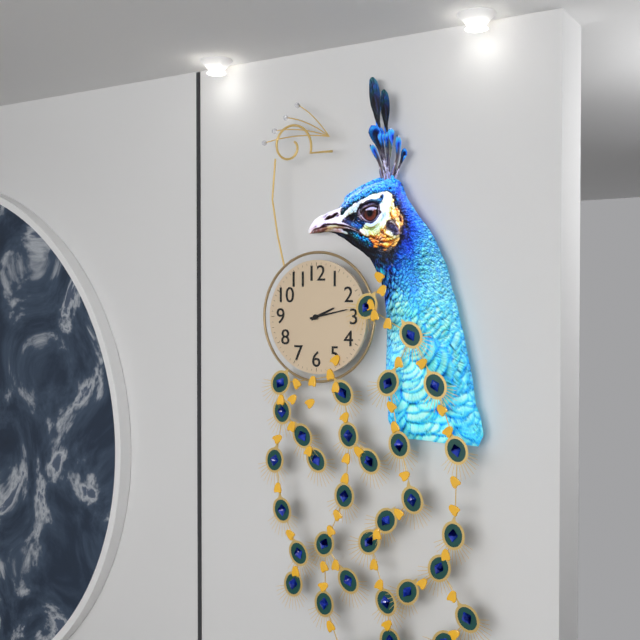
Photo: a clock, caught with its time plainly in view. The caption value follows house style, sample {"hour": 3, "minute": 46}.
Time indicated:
{"hour": 2, "minute": 13}
